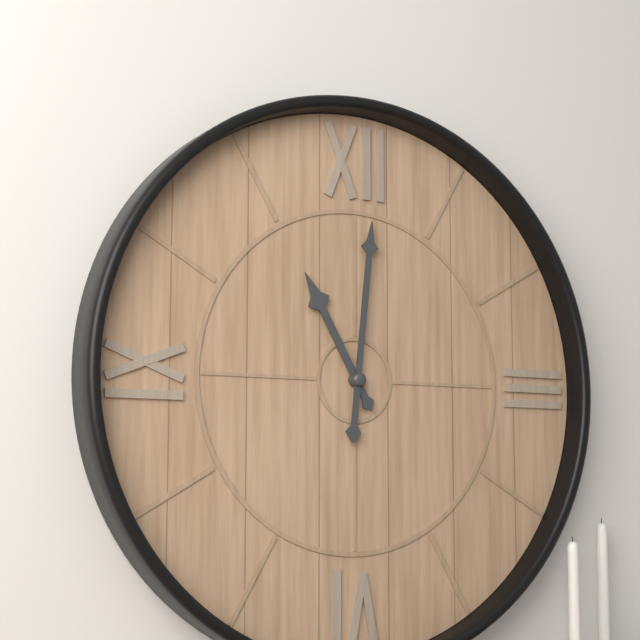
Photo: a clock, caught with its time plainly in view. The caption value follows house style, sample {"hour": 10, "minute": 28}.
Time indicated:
{"hour": 11, "minute": 1}
